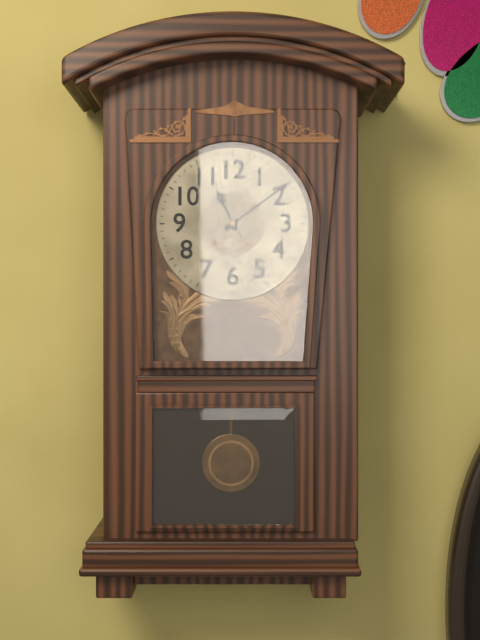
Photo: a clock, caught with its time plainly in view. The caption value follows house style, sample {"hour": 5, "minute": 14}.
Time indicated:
{"hour": 11, "minute": 9}
